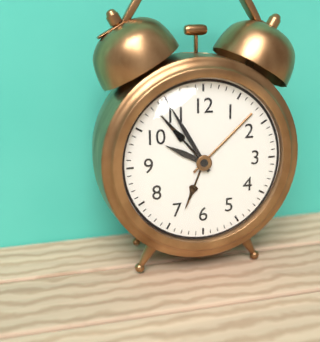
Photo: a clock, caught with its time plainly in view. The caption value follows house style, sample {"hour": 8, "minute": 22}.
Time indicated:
{"hour": 9, "minute": 55}
